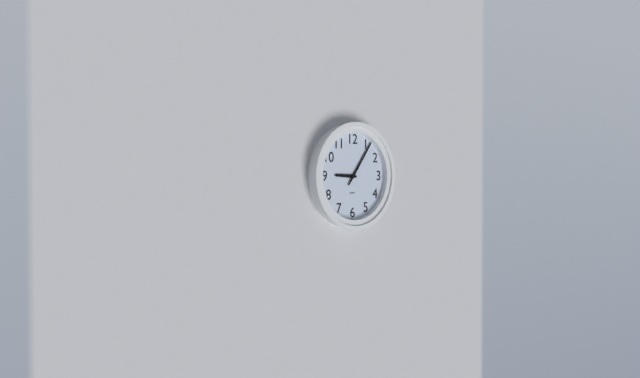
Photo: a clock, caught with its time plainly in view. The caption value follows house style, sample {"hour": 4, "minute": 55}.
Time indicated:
{"hour": 9, "minute": 6}
